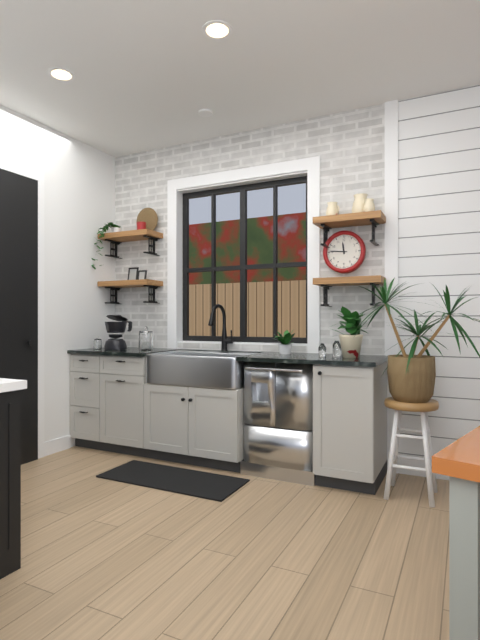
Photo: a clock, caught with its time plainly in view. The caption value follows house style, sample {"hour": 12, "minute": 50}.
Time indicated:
{"hour": 11, "minute": 46}
